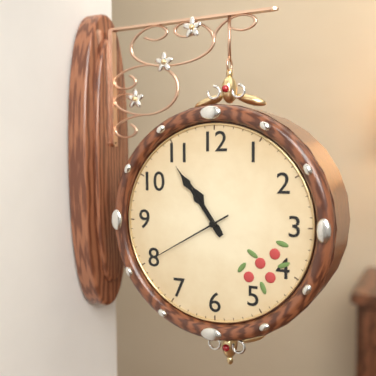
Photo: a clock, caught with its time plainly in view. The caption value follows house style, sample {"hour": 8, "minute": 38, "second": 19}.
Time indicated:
{"hour": 10, "minute": 54, "second": 40}
